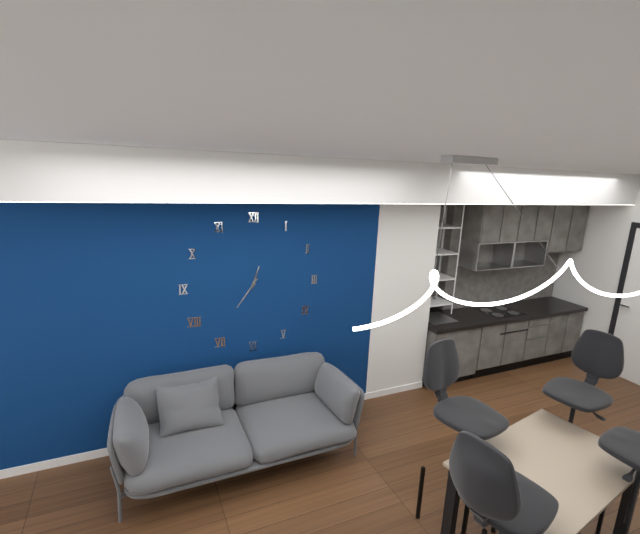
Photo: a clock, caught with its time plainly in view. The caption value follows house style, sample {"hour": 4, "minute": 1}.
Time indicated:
{"hour": 12, "minute": 36}
